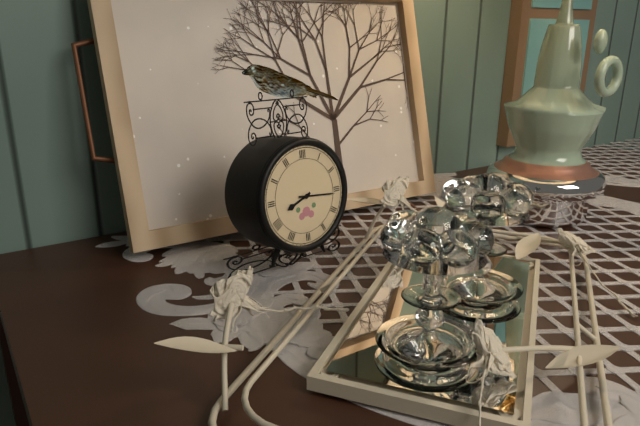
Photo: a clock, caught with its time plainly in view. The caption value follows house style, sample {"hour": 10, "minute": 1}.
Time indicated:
{"hour": 8, "minute": 16}
